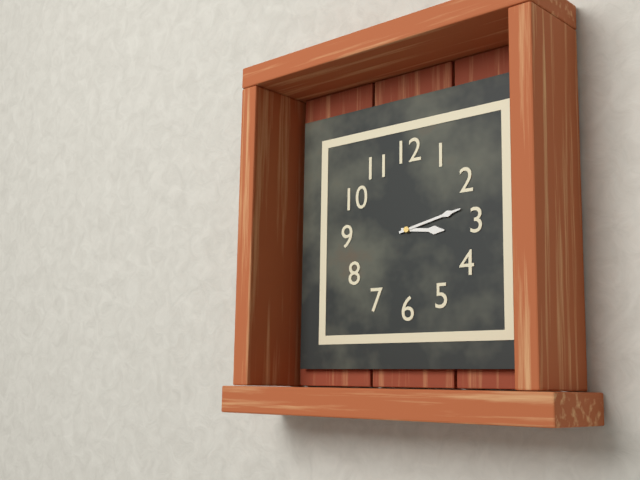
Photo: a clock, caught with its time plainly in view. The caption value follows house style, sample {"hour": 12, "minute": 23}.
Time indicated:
{"hour": 3, "minute": 13}
